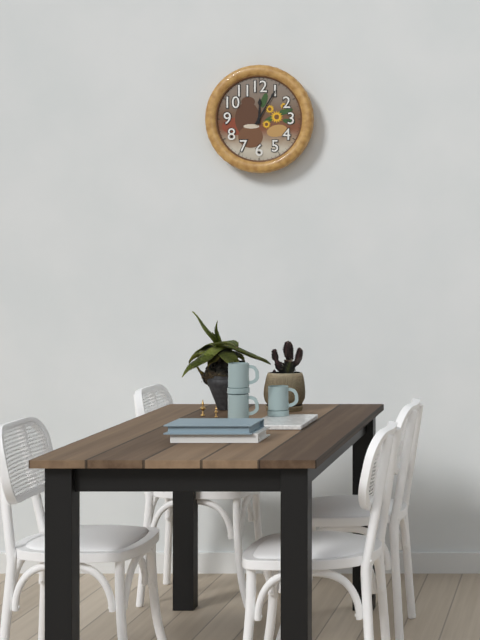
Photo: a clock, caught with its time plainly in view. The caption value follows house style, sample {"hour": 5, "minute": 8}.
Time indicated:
{"hour": 12, "minute": 5}
